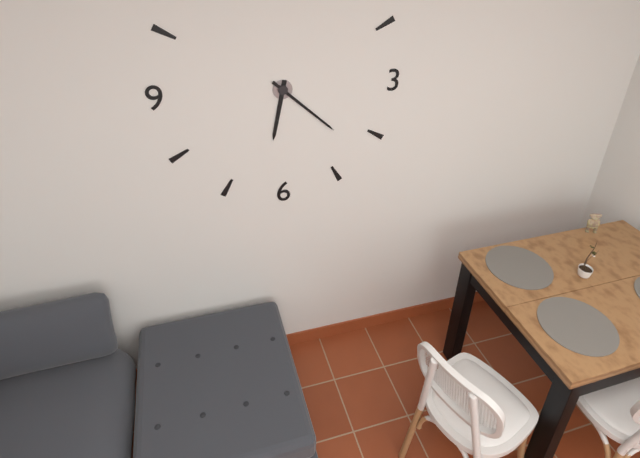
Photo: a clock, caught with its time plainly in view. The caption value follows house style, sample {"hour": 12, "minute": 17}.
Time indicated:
{"hour": 6, "minute": 22}
